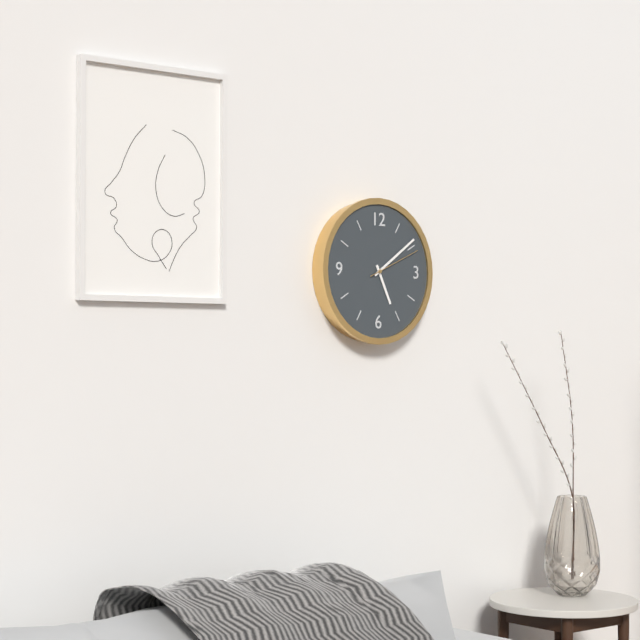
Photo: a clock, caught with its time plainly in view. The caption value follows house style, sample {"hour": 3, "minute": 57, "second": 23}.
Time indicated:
{"hour": 5, "minute": 9, "second": 11}
